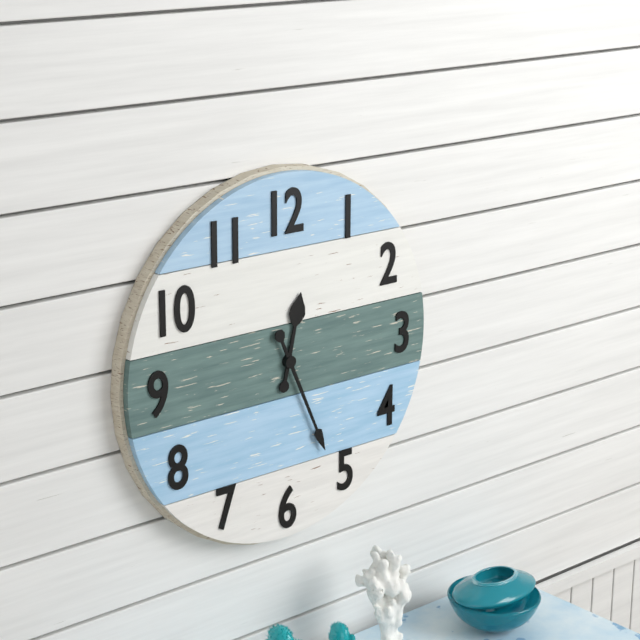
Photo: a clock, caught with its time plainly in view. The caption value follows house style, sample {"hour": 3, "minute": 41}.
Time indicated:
{"hour": 12, "minute": 26}
